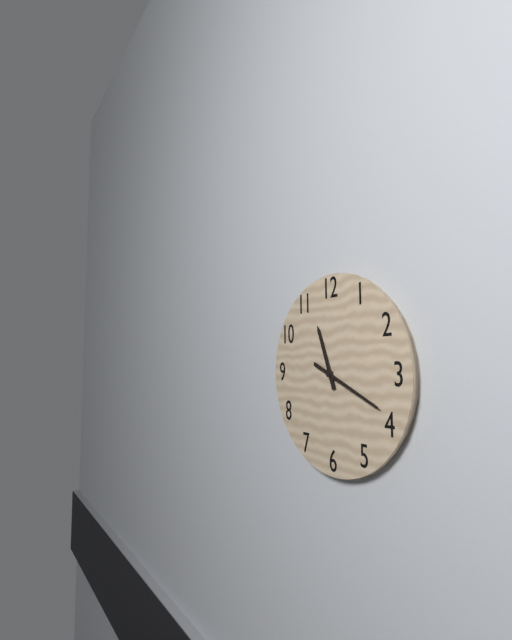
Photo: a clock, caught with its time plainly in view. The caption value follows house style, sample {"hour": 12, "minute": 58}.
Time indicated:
{"hour": 11, "minute": 19}
